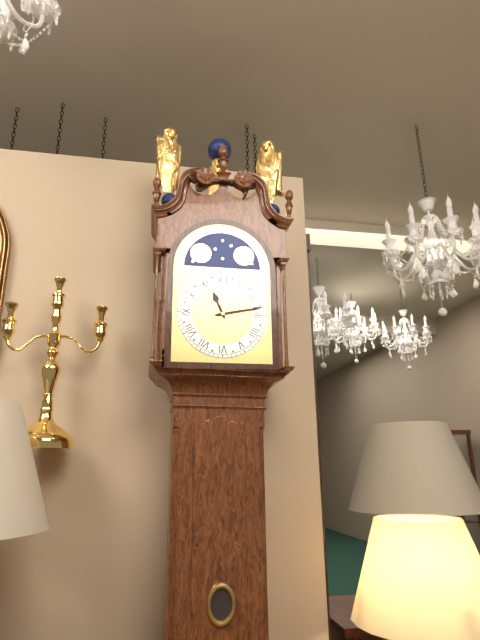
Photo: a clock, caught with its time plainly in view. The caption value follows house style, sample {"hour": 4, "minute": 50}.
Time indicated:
{"hour": 11, "minute": 13}
